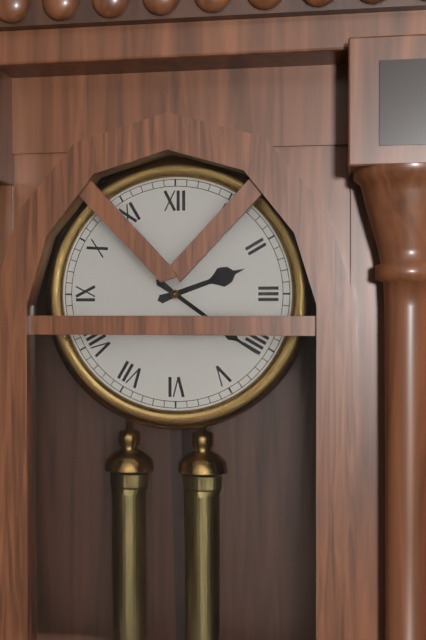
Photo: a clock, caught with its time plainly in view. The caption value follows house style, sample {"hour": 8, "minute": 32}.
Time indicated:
{"hour": 2, "minute": 21}
